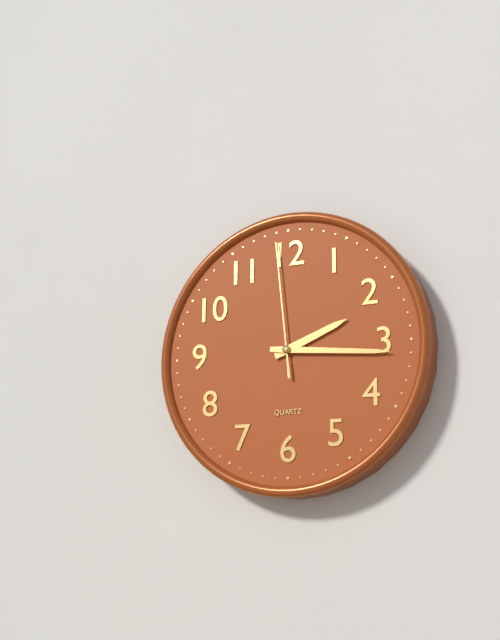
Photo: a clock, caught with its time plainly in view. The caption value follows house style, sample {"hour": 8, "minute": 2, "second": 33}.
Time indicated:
{"hour": 2, "minute": 16, "second": 59}
